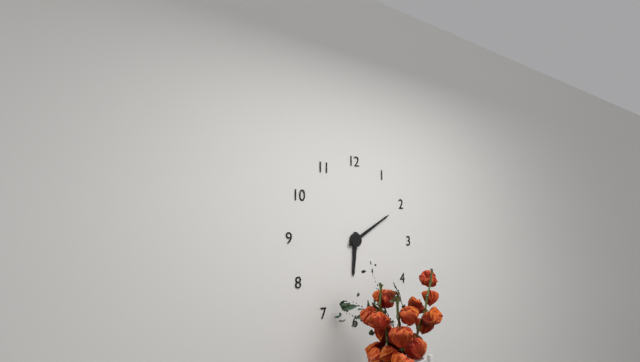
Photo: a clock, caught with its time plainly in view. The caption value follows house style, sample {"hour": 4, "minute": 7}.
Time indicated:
{"hour": 6, "minute": 10}
